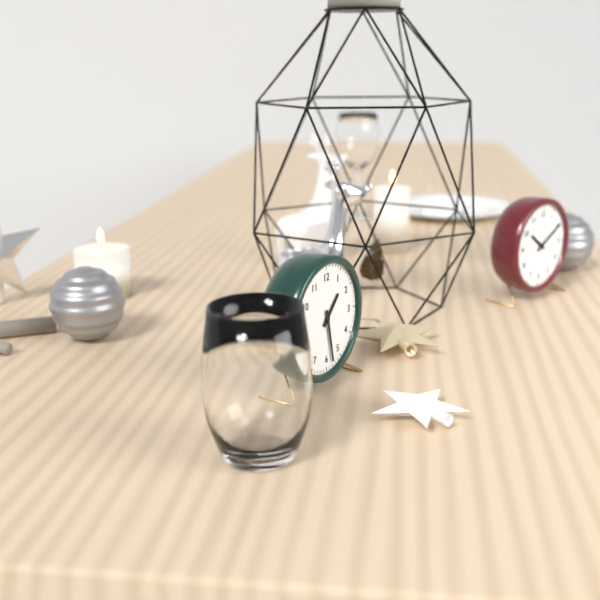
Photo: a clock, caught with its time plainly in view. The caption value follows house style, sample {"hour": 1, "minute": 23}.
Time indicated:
{"hour": 1, "minute": 28}
